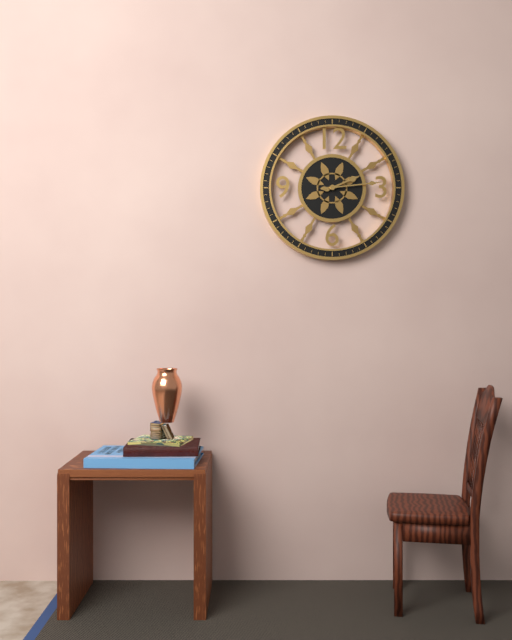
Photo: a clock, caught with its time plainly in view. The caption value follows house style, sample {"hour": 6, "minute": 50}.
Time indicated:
{"hour": 2, "minute": 14}
